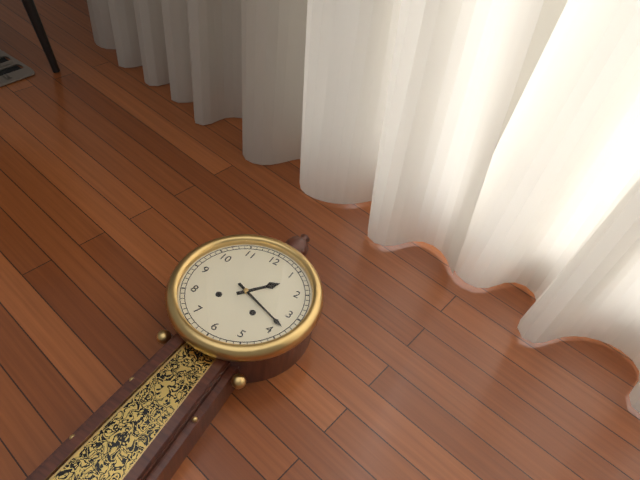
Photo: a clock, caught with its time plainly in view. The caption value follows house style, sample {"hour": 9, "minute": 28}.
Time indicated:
{"hour": 1, "minute": 18}
